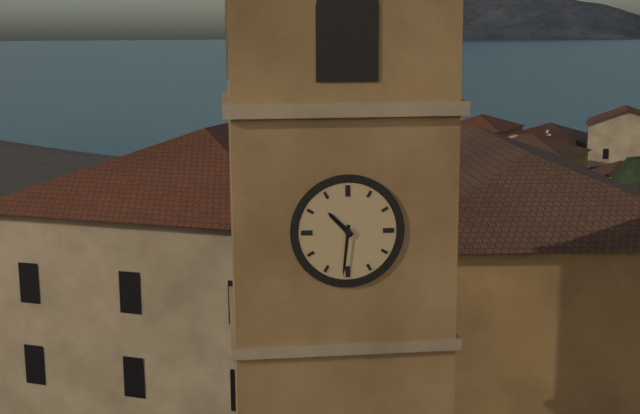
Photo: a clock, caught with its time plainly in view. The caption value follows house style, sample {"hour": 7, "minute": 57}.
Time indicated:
{"hour": 10, "minute": 31}
